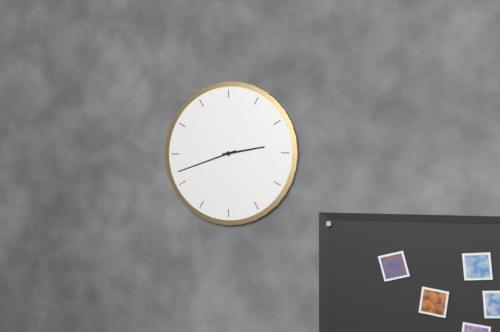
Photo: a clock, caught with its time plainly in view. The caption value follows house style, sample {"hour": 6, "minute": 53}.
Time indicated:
{"hour": 2, "minute": 42}
